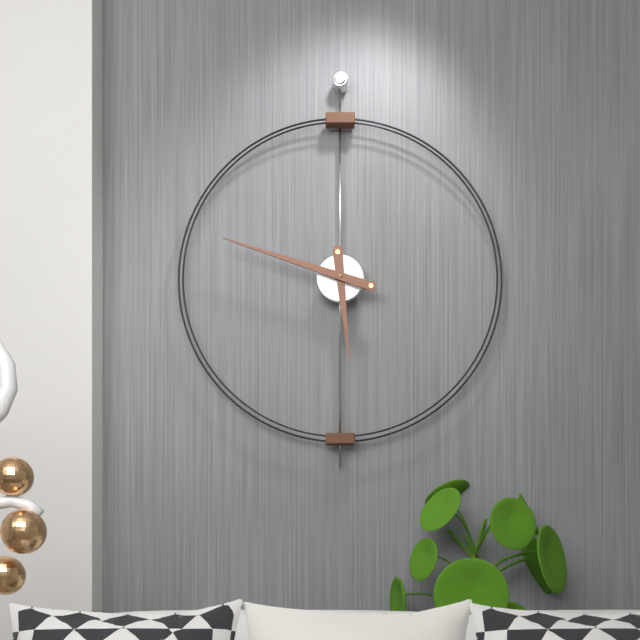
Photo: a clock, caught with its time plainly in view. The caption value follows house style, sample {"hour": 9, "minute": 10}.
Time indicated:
{"hour": 5, "minute": 48}
